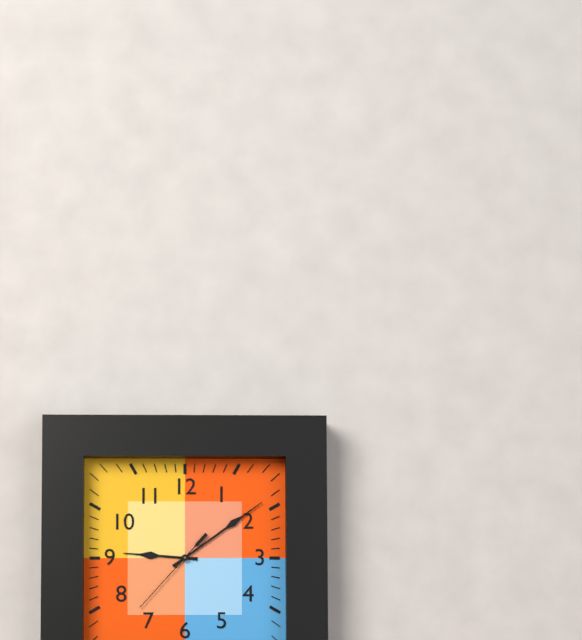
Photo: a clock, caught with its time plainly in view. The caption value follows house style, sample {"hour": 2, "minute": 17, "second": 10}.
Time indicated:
{"hour": 9, "minute": 9, "second": 37}
